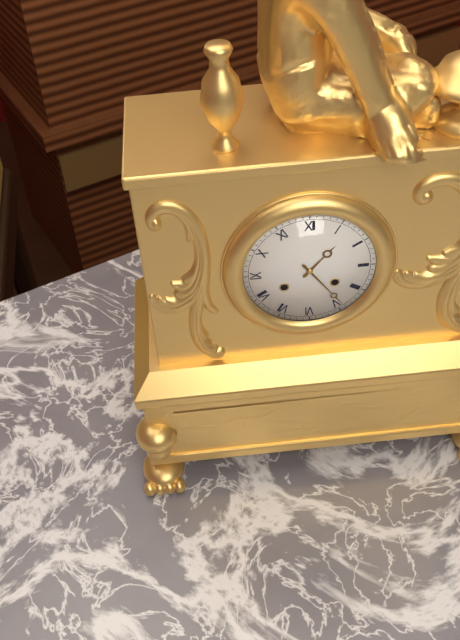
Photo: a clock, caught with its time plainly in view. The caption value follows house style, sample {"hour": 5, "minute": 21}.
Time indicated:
{"hour": 1, "minute": 24}
